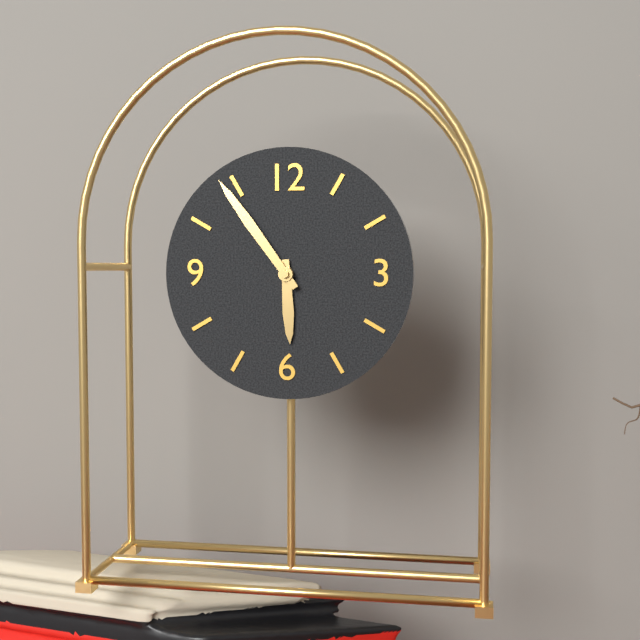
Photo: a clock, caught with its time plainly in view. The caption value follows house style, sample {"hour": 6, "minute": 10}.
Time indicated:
{"hour": 5, "minute": 54}
